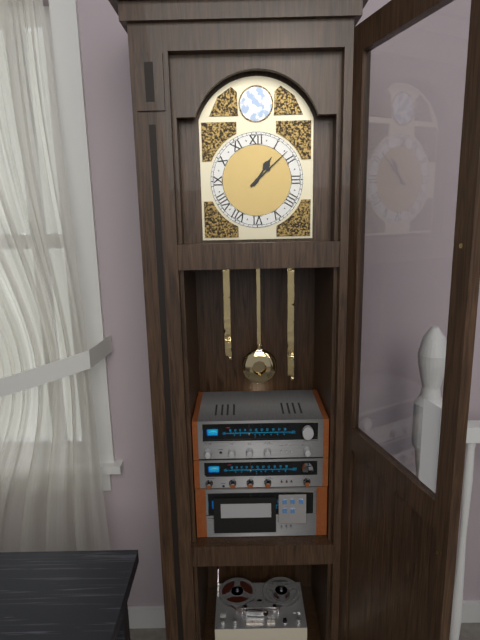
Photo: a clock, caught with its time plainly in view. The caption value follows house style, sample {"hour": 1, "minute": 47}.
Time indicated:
{"hour": 1, "minute": 8}
